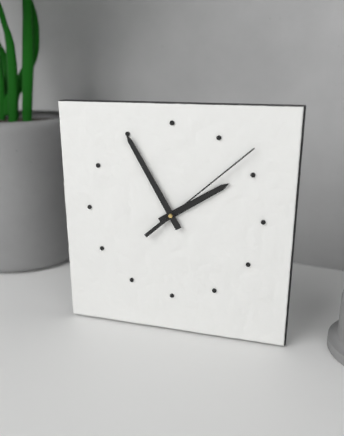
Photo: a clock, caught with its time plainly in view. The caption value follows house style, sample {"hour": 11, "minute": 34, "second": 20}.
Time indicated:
{"hour": 1, "minute": 55, "second": 8}
